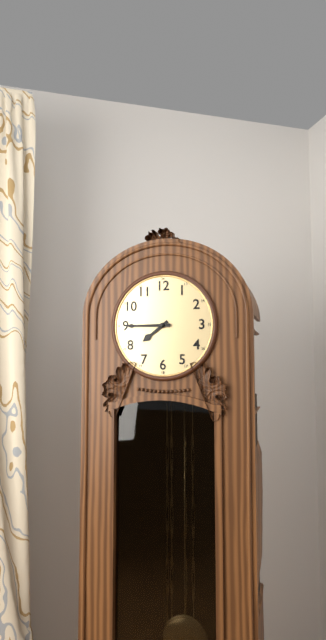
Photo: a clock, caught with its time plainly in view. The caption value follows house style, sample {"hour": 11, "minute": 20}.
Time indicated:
{"hour": 7, "minute": 45}
